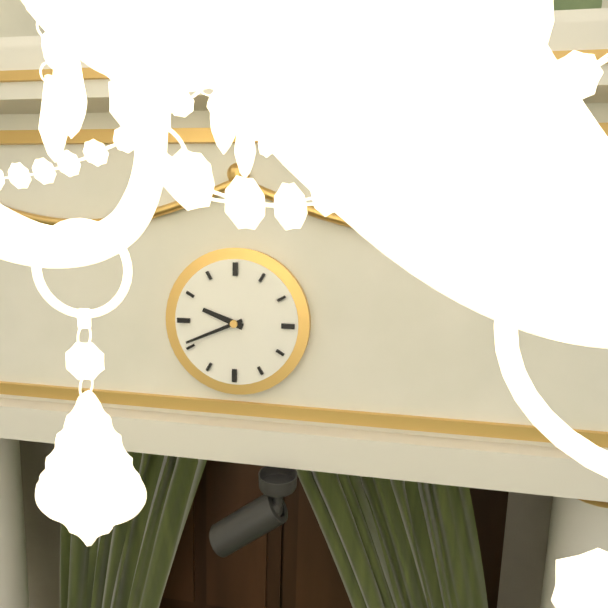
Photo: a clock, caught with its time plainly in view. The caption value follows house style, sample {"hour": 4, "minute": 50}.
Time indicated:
{"hour": 9, "minute": 41}
